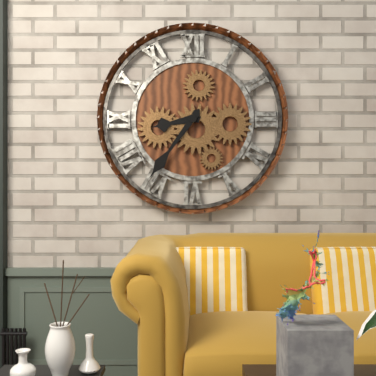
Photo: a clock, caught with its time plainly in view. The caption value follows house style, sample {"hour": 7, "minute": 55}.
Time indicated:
{"hour": 8, "minute": 36}
